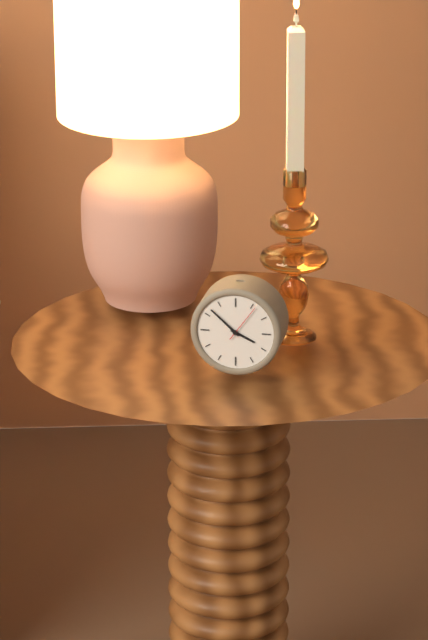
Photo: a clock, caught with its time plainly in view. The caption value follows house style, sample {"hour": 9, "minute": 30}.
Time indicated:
{"hour": 3, "minute": 52}
